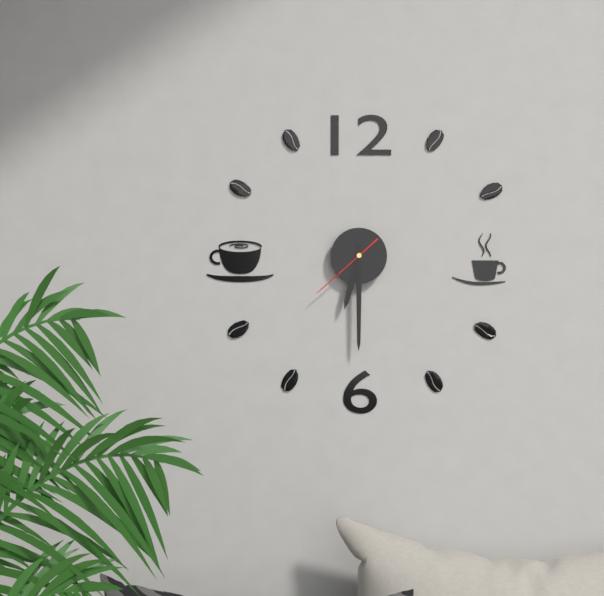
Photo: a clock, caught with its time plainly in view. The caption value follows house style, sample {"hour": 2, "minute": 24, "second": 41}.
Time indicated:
{"hour": 6, "minute": 30, "second": 38}
